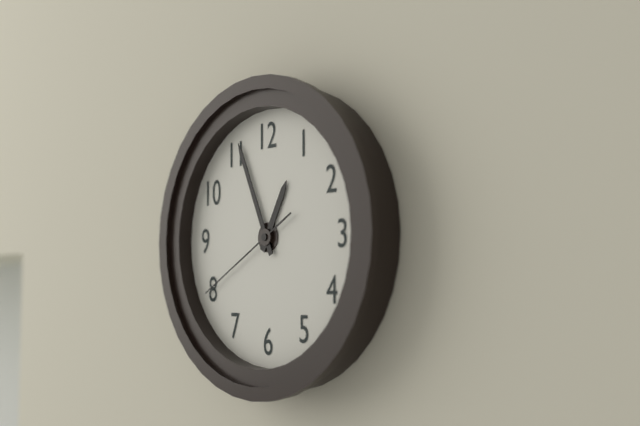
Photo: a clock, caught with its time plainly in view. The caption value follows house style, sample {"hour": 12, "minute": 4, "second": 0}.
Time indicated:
{"hour": 12, "minute": 56, "second": 40}
